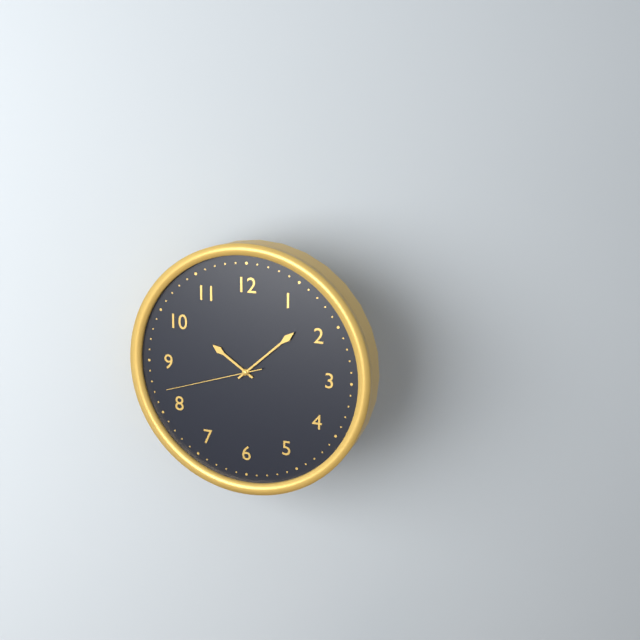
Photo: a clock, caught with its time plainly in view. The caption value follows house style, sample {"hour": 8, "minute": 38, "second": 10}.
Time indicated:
{"hour": 10, "minute": 8, "second": 42}
